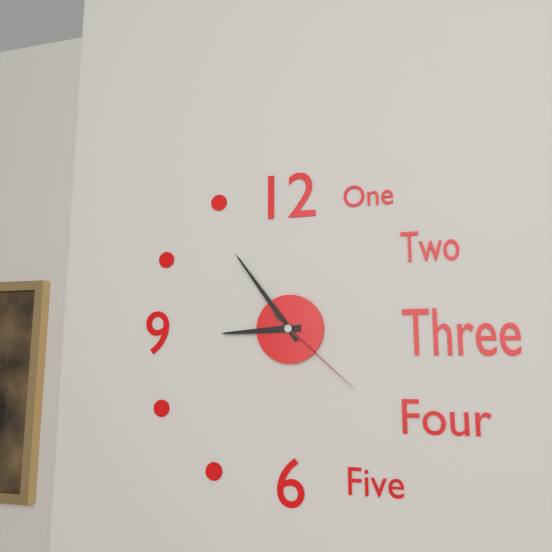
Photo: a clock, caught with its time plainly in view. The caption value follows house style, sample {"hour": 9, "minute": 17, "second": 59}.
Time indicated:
{"hour": 8, "minute": 54, "second": 22}
